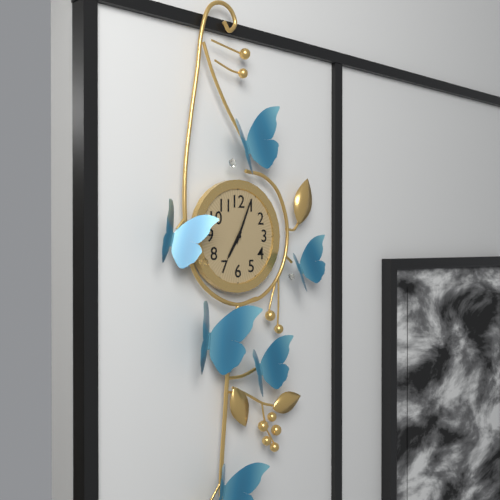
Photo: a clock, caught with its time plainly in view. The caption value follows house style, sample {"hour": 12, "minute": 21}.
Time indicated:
{"hour": 7, "minute": 4}
